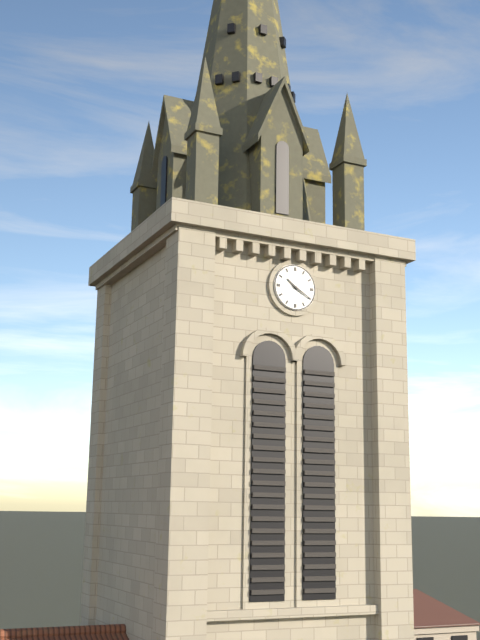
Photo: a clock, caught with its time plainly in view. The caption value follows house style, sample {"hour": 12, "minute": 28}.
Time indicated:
{"hour": 10, "minute": 20}
